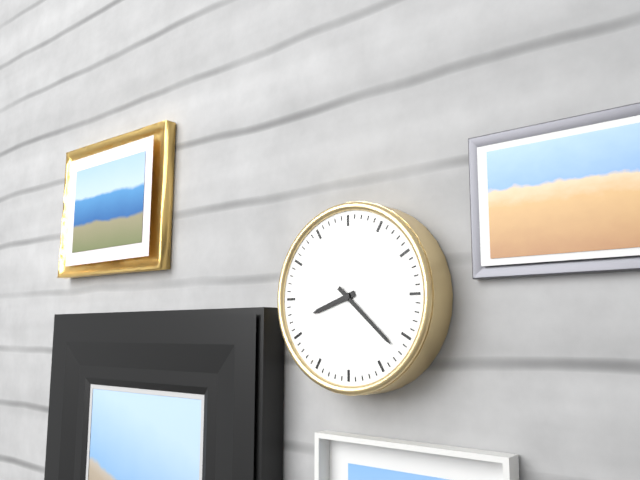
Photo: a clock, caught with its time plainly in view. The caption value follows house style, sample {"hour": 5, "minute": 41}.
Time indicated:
{"hour": 8, "minute": 22}
